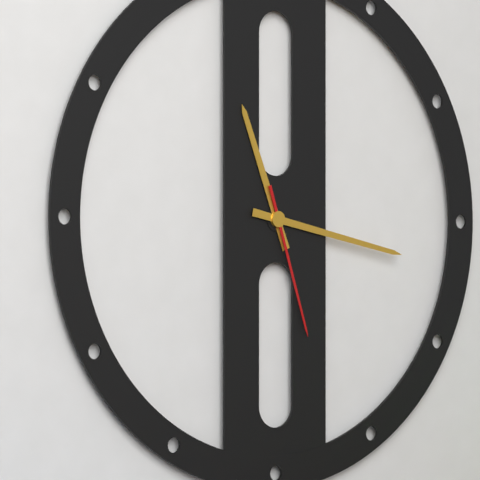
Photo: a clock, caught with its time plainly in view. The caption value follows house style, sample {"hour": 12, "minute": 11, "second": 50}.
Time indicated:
{"hour": 11, "minute": 17, "second": 27}
